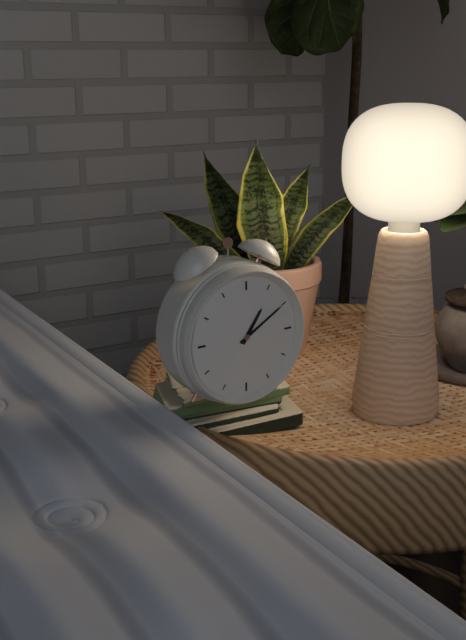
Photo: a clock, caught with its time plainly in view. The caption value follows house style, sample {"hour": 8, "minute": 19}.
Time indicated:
{"hour": 1, "minute": 10}
